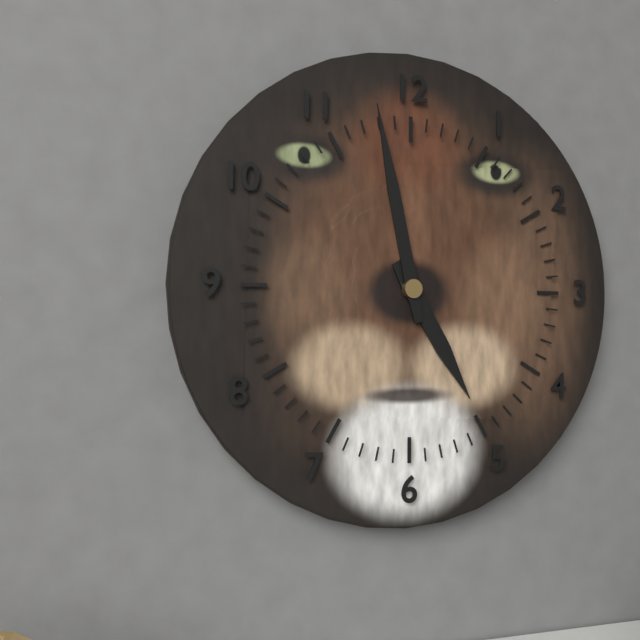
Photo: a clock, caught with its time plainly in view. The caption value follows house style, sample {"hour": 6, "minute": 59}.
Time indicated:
{"hour": 4, "minute": 58}
